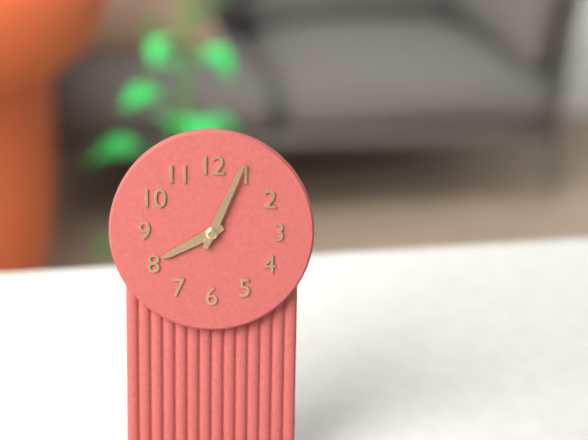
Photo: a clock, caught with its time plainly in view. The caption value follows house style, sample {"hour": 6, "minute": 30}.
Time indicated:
{"hour": 8, "minute": 4}
